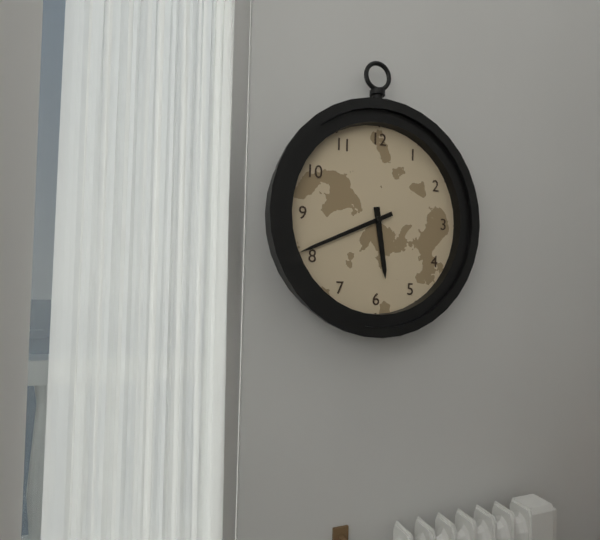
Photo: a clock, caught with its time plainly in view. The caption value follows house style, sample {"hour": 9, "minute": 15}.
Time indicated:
{"hour": 5, "minute": 41}
